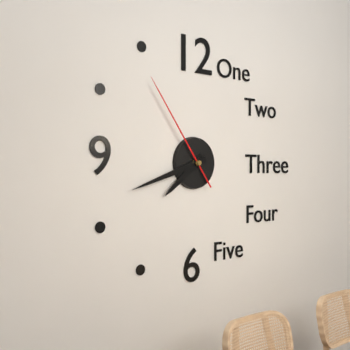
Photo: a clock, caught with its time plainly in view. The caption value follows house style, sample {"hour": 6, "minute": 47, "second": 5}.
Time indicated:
{"hour": 7, "minute": 42, "second": 54}
